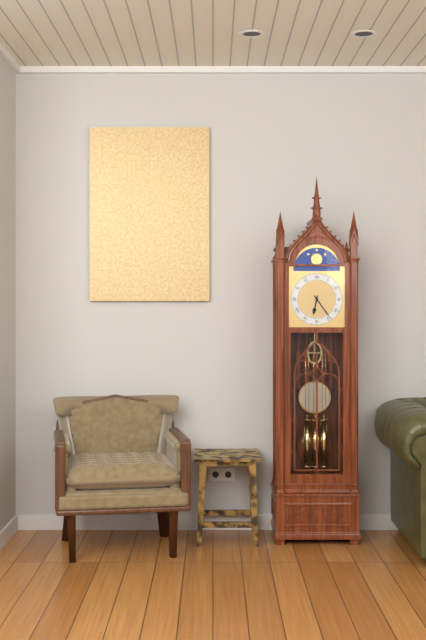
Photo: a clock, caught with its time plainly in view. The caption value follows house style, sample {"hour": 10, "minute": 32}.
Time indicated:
{"hour": 6, "minute": 24}
